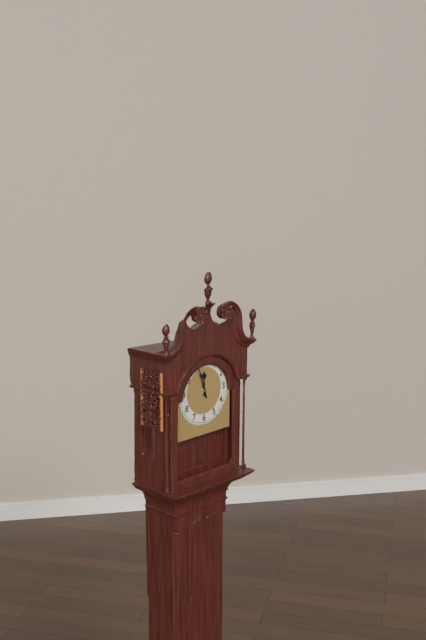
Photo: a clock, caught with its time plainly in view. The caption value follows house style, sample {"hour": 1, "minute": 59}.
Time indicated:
{"hour": 11, "minute": 57}
